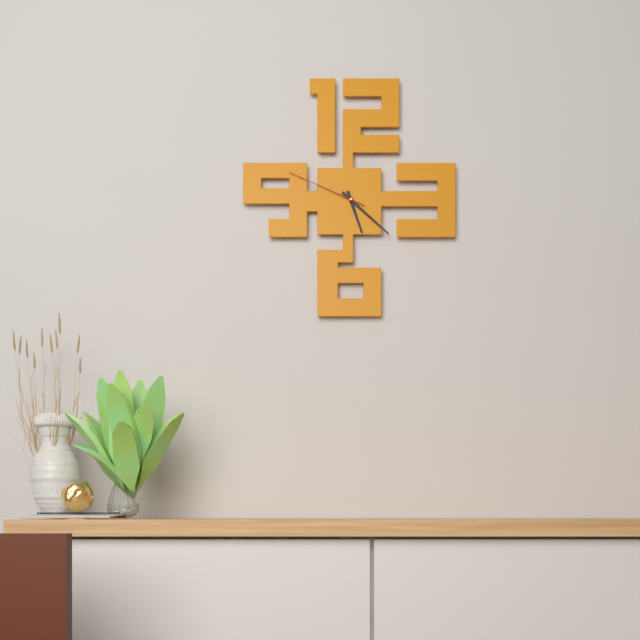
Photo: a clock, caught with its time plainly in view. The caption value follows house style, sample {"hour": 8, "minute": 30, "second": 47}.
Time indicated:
{"hour": 5, "minute": 22, "second": 49}
